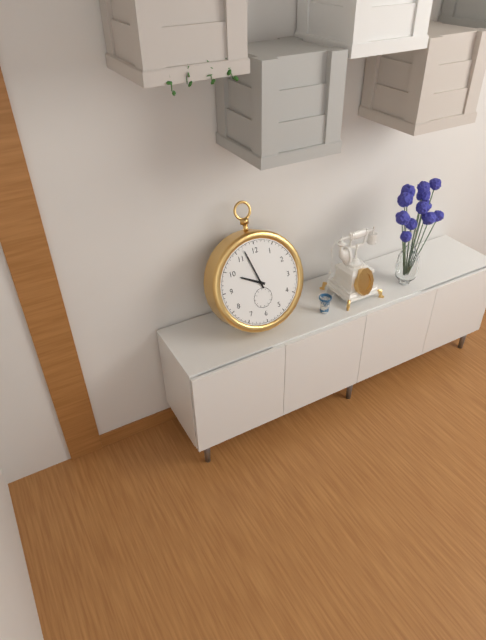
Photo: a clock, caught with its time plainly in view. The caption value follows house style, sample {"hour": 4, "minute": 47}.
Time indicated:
{"hour": 9, "minute": 57}
